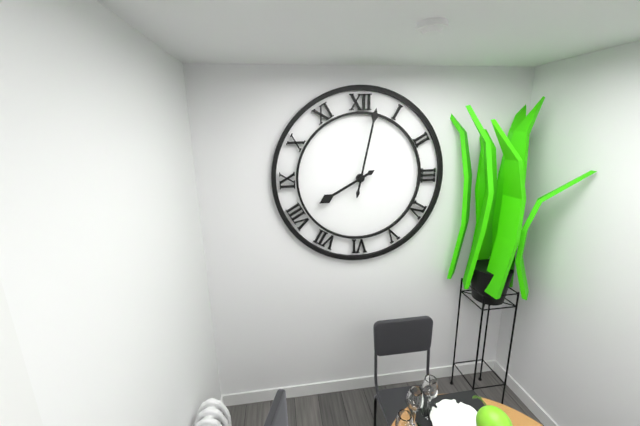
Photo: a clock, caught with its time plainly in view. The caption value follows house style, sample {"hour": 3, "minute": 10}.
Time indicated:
{"hour": 8, "minute": 2}
